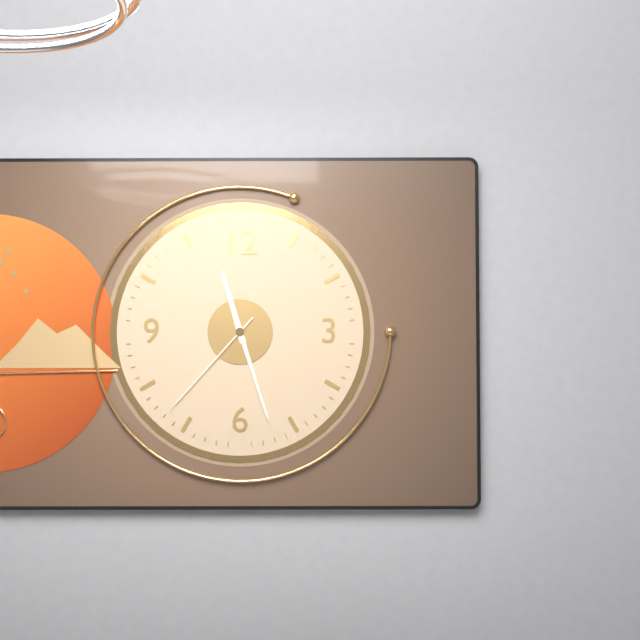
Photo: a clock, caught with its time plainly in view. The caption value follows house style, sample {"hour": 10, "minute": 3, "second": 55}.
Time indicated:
{"hour": 11, "minute": 27, "second": 37}
